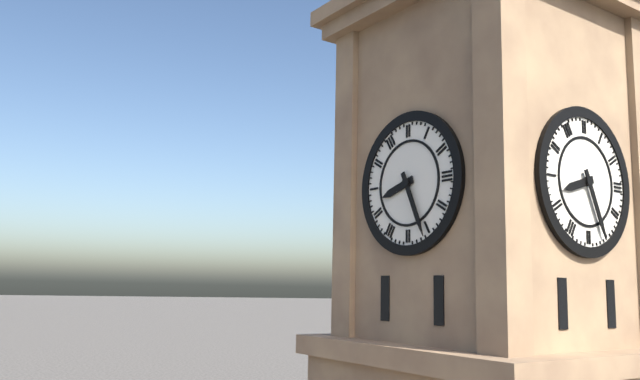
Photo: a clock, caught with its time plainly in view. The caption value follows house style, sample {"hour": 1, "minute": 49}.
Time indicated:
{"hour": 8, "minute": 26}
